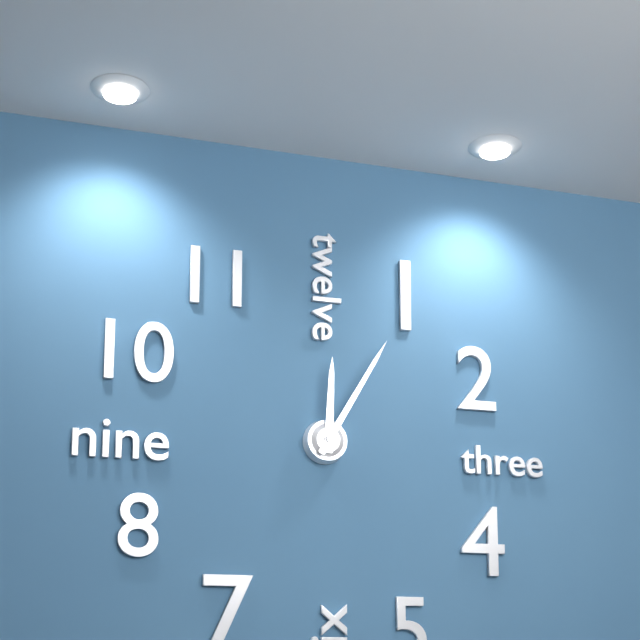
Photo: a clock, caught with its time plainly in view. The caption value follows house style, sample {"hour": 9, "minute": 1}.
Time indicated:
{"hour": 12, "minute": 5}
